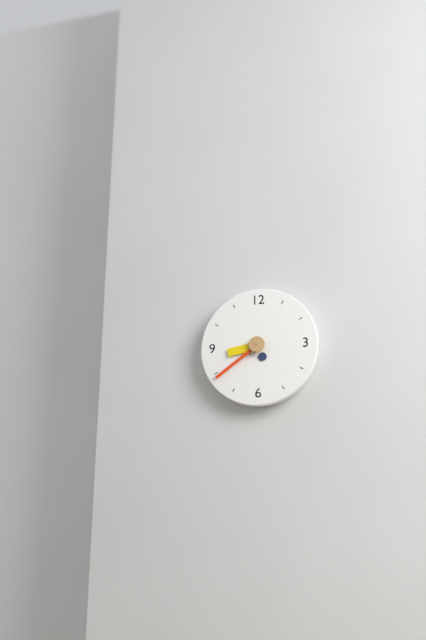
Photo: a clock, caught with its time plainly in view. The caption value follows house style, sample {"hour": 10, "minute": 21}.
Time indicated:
{"hour": 8, "minute": 39}
